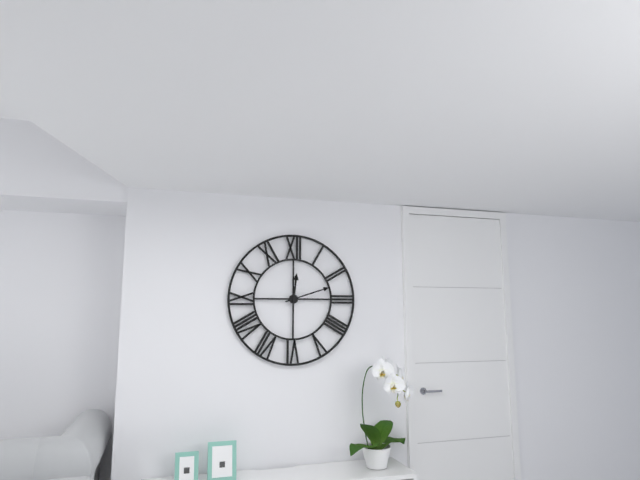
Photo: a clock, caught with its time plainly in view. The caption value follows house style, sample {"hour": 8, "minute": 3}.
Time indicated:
{"hour": 12, "minute": 12}
